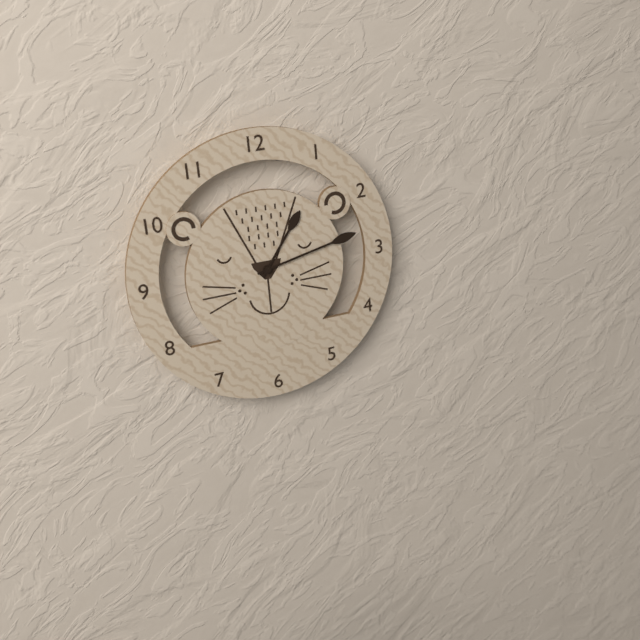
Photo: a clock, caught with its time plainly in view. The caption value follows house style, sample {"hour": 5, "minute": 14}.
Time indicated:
{"hour": 1, "minute": 13}
